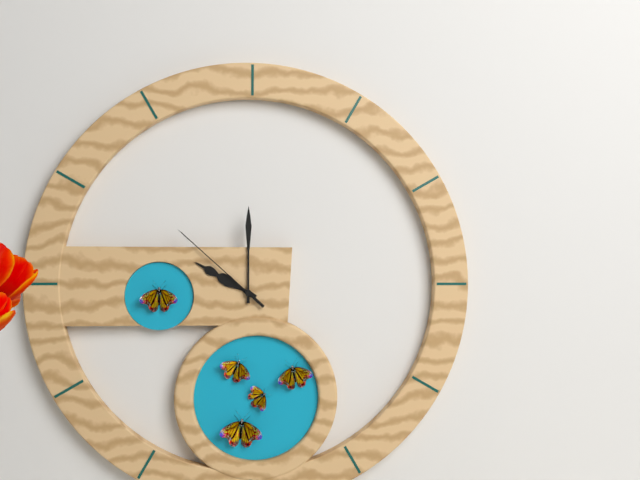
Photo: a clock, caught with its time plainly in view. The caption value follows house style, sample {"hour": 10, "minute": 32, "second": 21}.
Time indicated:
{"hour": 10, "minute": 0, "second": 52}
